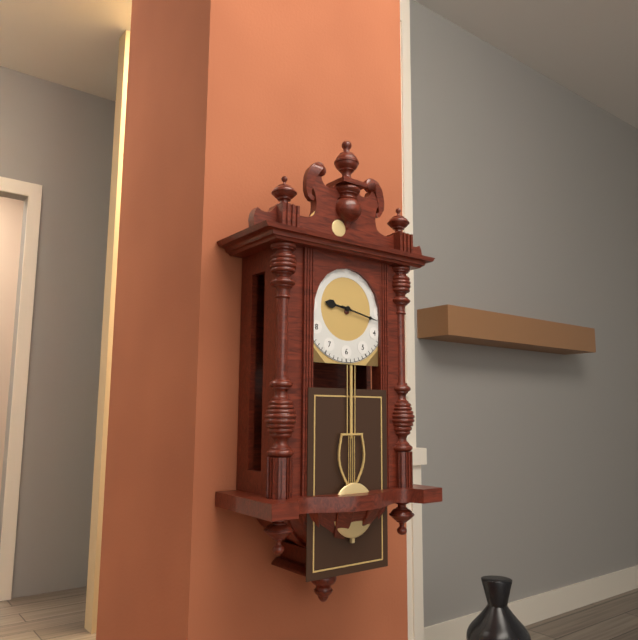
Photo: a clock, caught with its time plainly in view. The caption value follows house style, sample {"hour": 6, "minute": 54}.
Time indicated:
{"hour": 9, "minute": 17}
